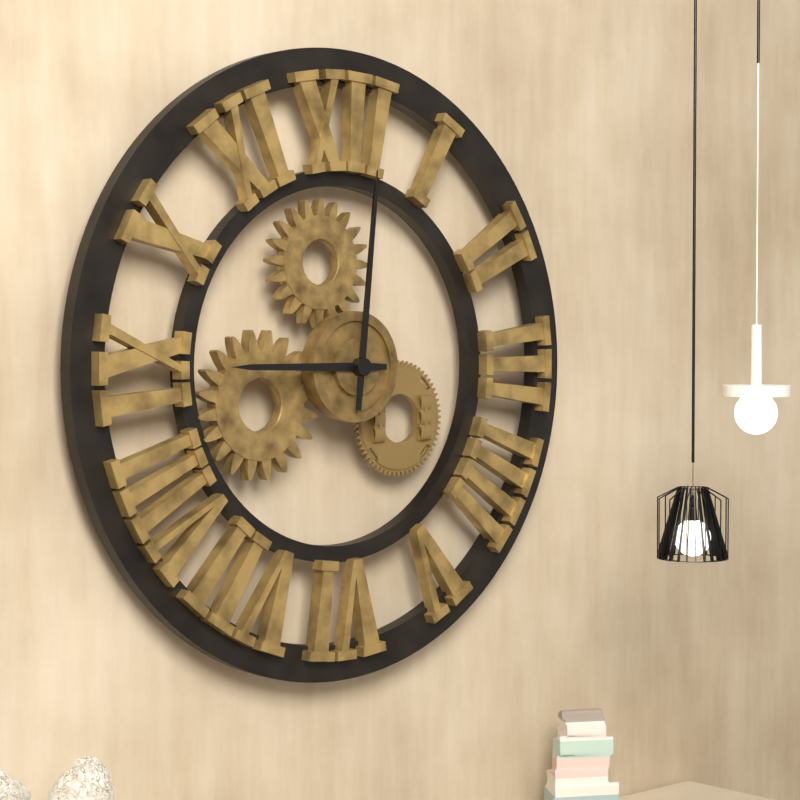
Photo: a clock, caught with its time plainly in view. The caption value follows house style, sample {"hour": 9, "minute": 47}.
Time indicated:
{"hour": 9, "minute": 1}
